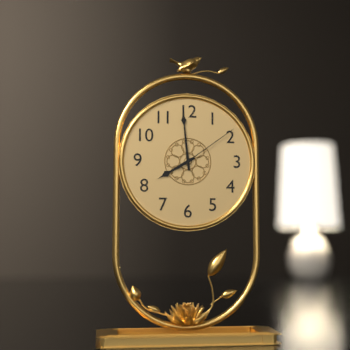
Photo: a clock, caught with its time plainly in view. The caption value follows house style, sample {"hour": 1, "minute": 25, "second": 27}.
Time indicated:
{"hour": 7, "minute": 59, "second": 9}
